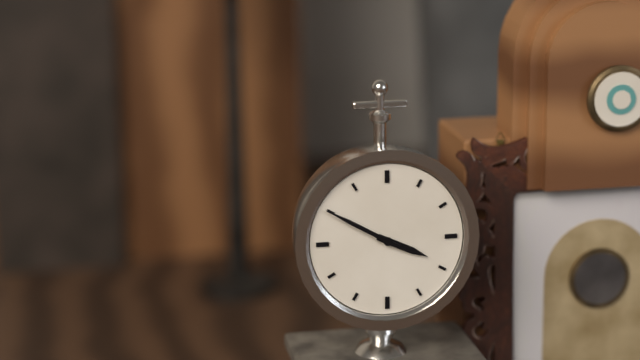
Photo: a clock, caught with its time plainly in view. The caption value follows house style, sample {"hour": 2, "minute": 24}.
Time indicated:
{"hour": 3, "minute": 50}
